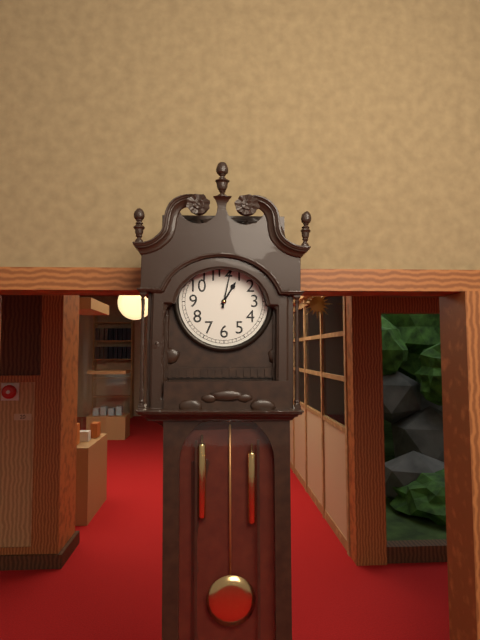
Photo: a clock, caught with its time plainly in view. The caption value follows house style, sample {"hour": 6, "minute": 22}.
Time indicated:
{"hour": 1, "minute": 2}
